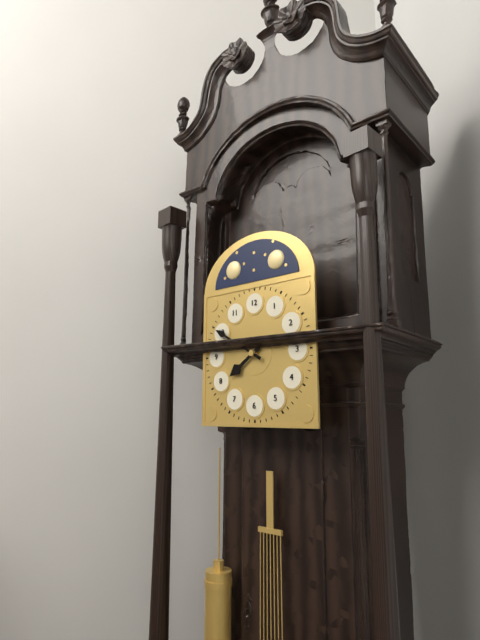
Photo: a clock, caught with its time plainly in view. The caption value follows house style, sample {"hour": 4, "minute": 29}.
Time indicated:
{"hour": 7, "minute": 50}
